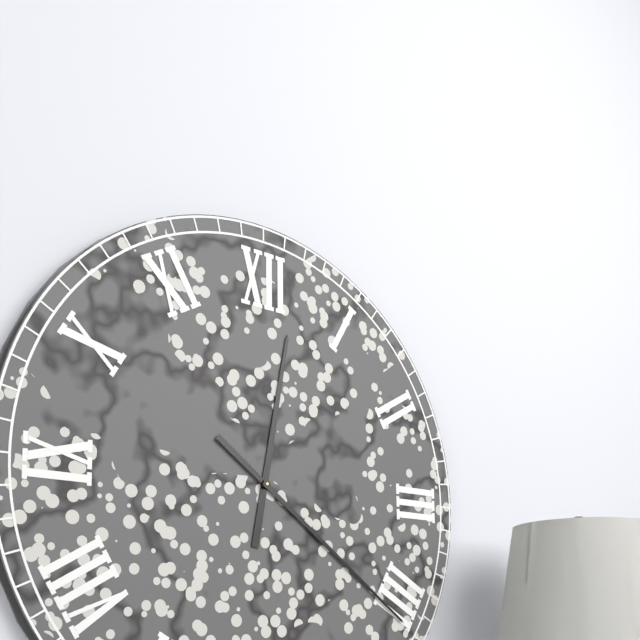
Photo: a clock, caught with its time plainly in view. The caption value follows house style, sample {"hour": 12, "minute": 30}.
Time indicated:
{"hour": 12, "minute": 21}
